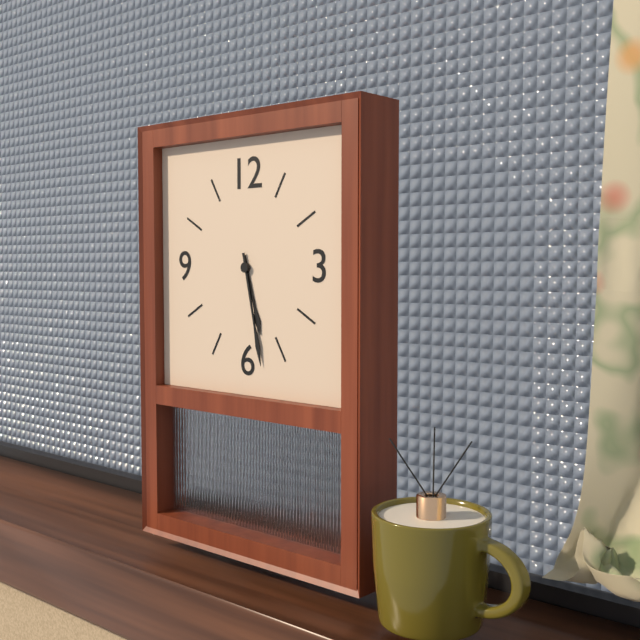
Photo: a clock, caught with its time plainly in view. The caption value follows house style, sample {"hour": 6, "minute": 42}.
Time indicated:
{"hour": 5, "minute": 28}
